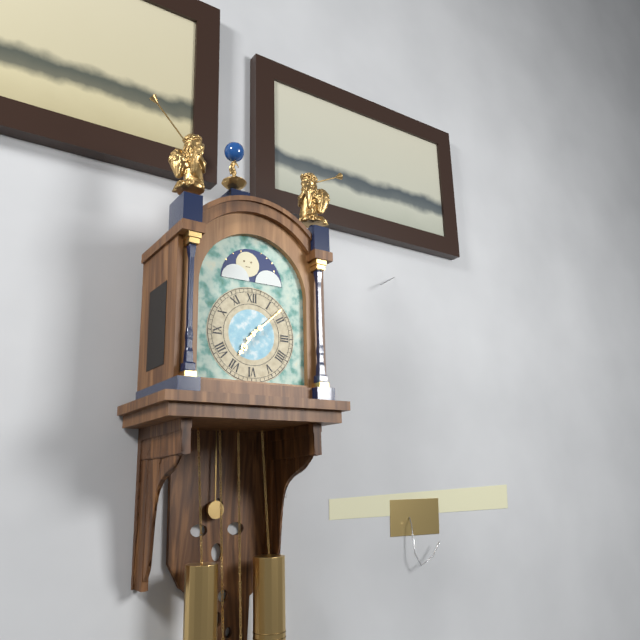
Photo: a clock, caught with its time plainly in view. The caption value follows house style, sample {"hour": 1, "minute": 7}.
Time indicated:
{"hour": 7, "minute": 8}
